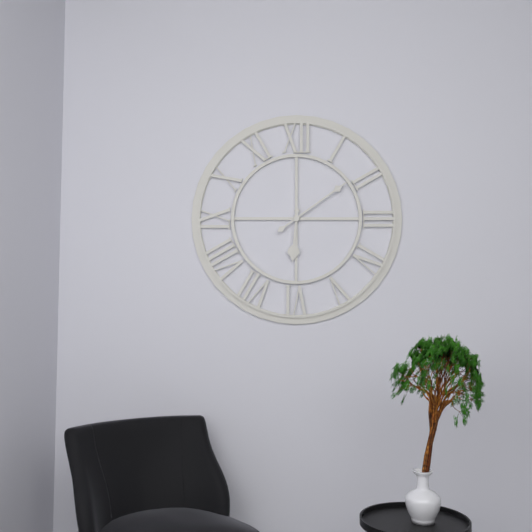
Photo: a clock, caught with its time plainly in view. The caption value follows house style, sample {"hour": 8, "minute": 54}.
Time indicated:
{"hour": 6, "minute": 9}
